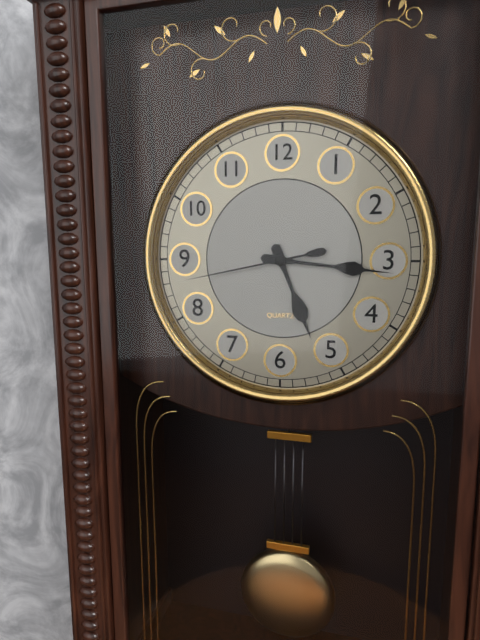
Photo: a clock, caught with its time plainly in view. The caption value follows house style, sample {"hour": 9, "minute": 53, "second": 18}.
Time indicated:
{"hour": 5, "minute": 16, "second": 43}
